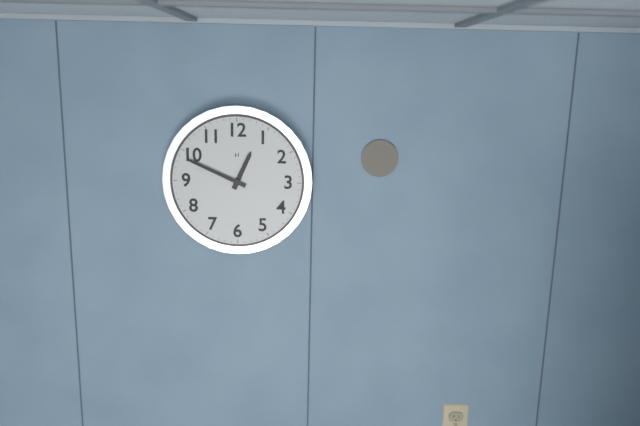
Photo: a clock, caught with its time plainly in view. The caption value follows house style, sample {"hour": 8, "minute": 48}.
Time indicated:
{"hour": 12, "minute": 49}
